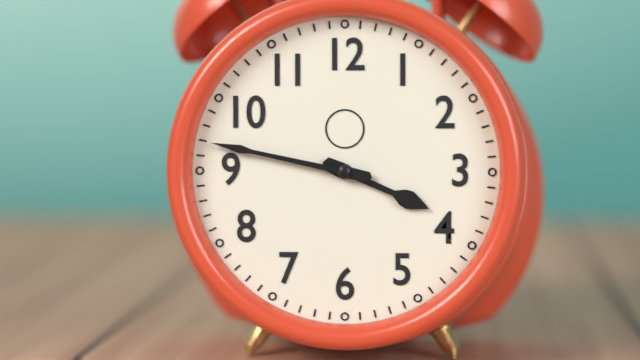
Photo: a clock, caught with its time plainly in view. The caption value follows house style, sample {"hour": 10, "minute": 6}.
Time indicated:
{"hour": 3, "minute": 47}
